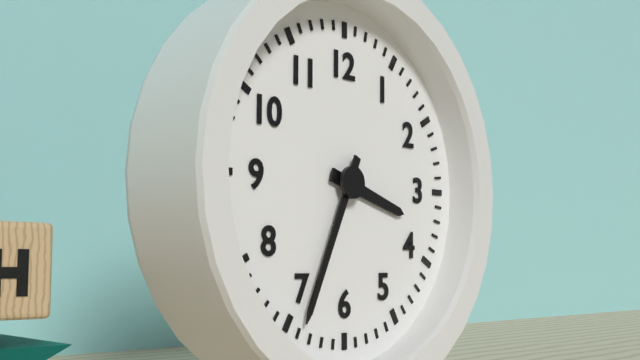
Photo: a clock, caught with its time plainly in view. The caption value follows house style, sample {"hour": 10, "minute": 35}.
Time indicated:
{"hour": 3, "minute": 34}
